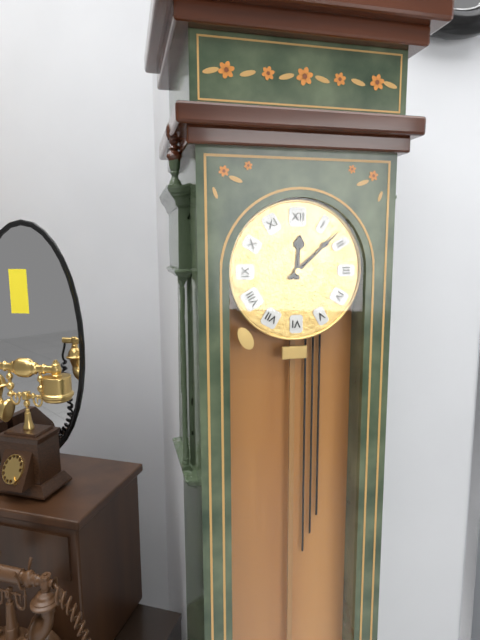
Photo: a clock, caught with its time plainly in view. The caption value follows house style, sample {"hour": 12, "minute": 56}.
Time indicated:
{"hour": 12, "minute": 8}
